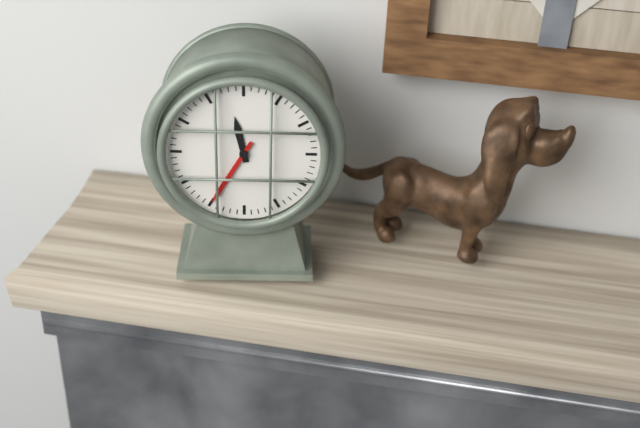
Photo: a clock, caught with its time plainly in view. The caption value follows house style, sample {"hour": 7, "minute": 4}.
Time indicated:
{"hour": 11, "minute": 35}
